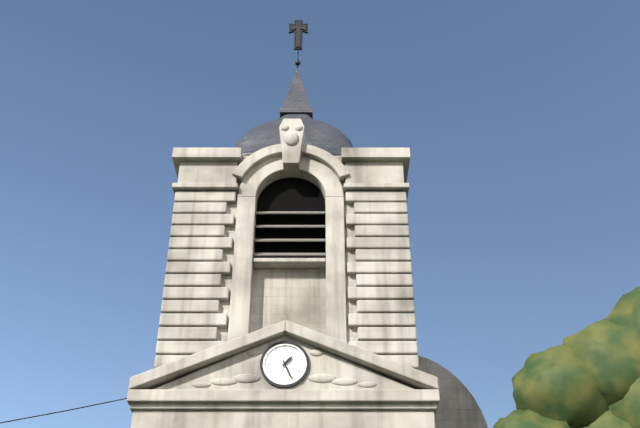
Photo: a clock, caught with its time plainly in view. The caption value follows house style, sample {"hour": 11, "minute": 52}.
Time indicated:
{"hour": 1, "minute": 26}
